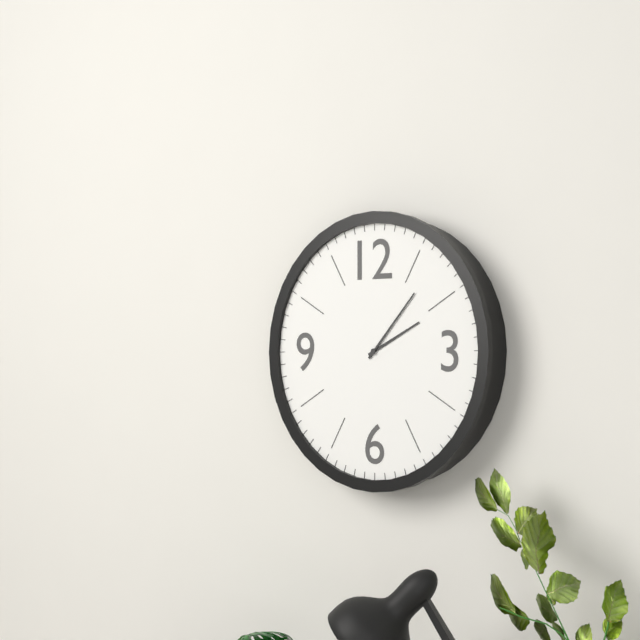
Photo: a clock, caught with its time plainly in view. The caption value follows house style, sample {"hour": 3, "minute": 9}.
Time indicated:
{"hour": 2, "minute": 7}
